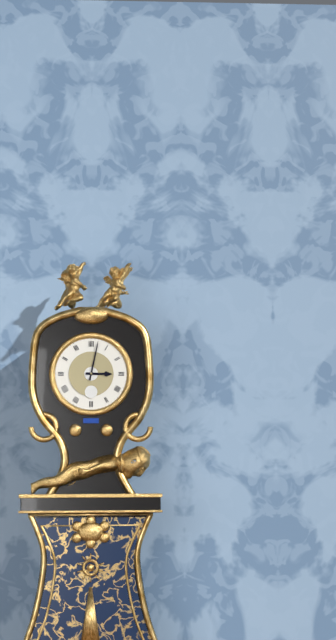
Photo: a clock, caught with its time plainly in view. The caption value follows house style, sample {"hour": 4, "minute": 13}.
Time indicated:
{"hour": 3, "minute": 2}
